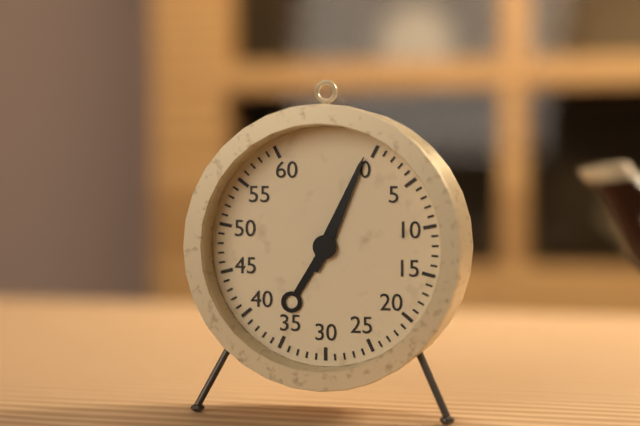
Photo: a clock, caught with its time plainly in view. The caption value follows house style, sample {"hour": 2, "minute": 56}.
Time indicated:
{"hour": 7, "minute": 4}
